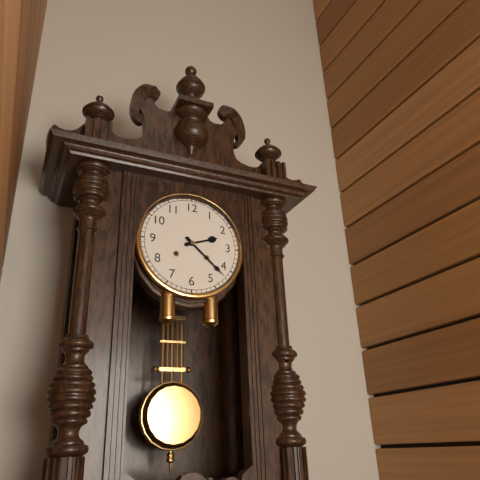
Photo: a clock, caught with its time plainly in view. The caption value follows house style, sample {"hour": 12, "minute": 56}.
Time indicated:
{"hour": 2, "minute": 22}
